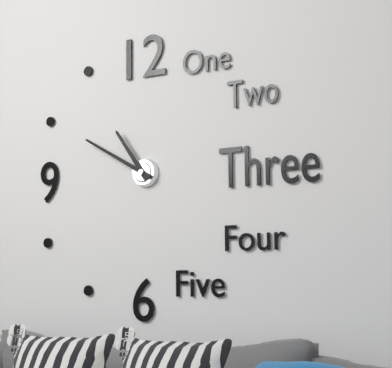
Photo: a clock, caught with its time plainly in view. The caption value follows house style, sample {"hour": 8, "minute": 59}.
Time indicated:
{"hour": 10, "minute": 50}
